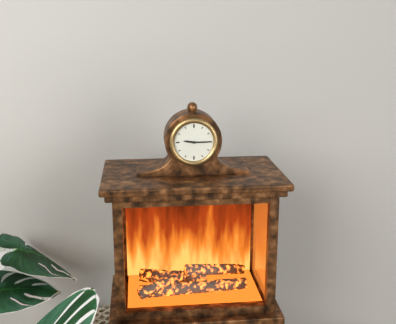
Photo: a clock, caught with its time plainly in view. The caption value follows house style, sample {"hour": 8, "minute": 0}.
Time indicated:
{"hour": 9, "minute": 15}
